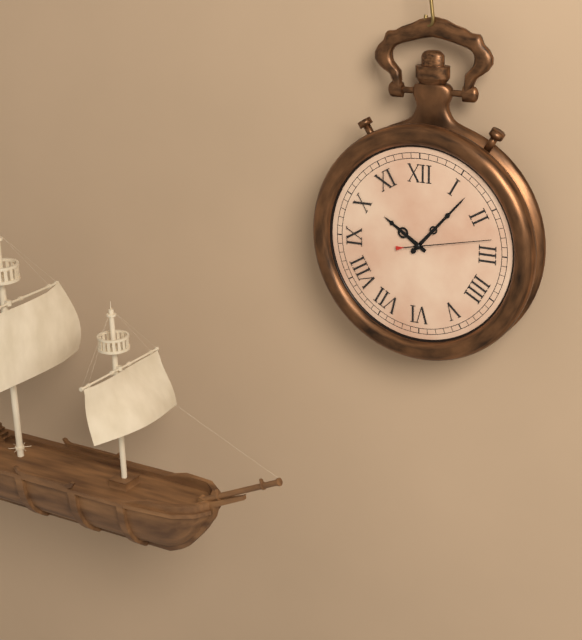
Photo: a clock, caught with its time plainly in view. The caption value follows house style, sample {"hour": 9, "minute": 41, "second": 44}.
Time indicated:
{"hour": 10, "minute": 7, "second": 13}
